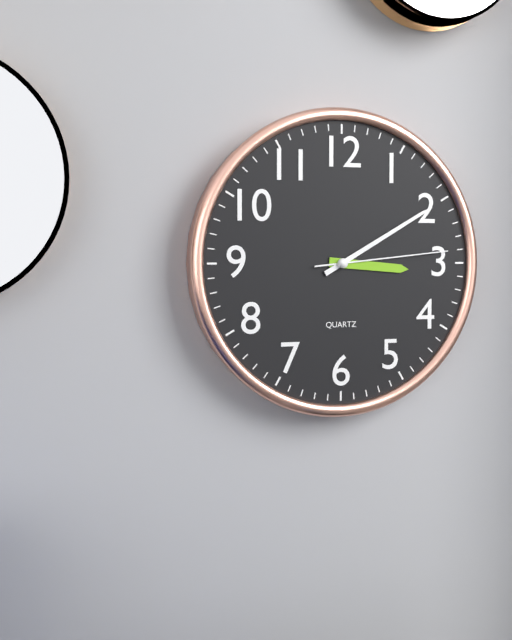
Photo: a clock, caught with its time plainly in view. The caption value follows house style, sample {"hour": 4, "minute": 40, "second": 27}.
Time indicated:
{"hour": 3, "minute": 10, "second": 14}
